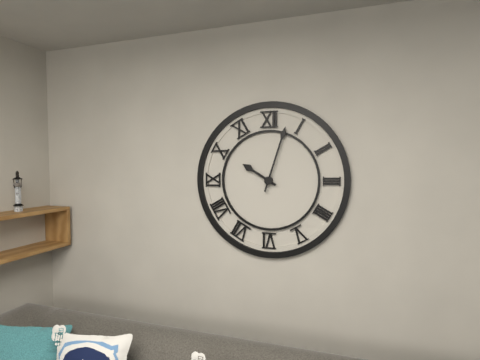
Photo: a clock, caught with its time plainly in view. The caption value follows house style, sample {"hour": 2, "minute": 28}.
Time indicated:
{"hour": 10, "minute": 3}
